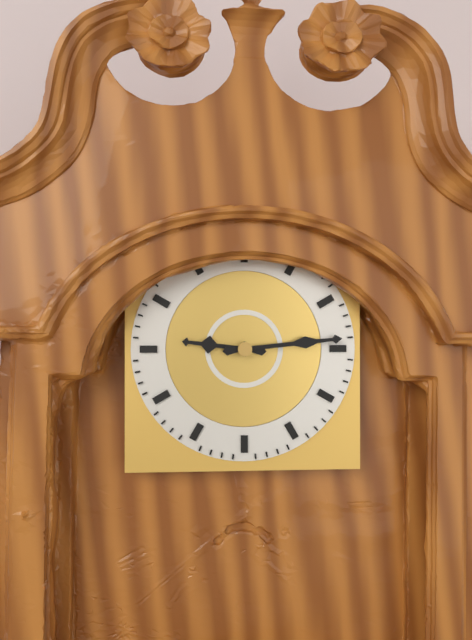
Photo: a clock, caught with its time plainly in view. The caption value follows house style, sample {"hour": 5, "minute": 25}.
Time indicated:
{"hour": 9, "minute": 14}
